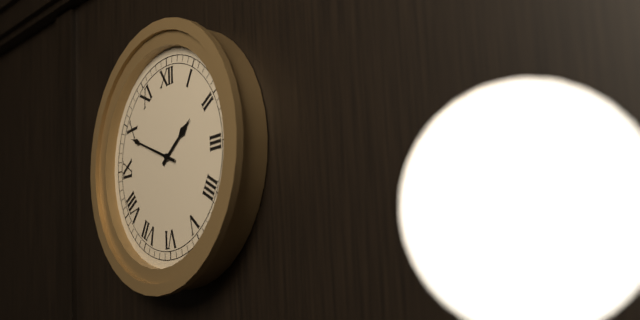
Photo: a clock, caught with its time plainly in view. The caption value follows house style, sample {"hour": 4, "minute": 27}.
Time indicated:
{"hour": 1, "minute": 49}
